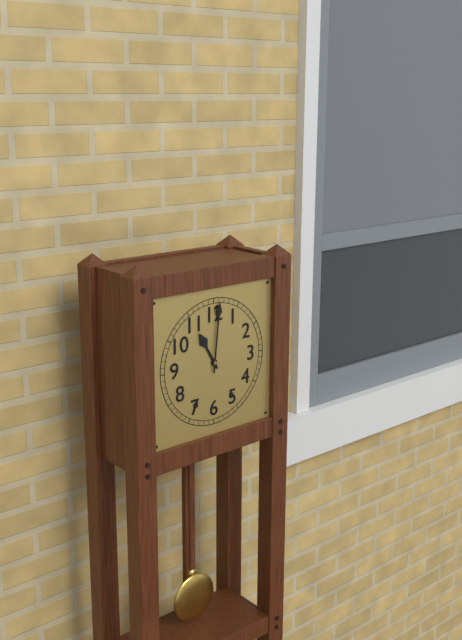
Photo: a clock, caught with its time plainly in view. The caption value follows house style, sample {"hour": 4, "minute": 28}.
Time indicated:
{"hour": 11, "minute": 1}
